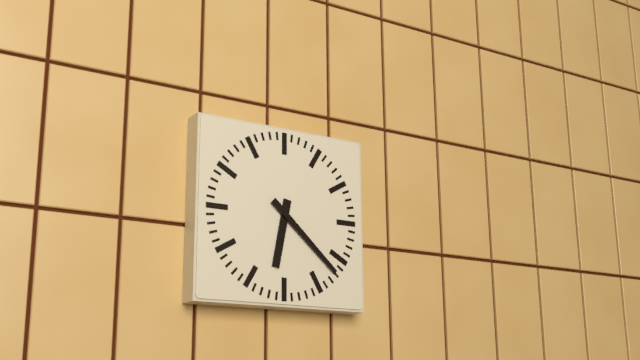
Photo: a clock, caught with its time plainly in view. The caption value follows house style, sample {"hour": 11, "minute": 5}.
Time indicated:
{"hour": 6, "minute": 22}
